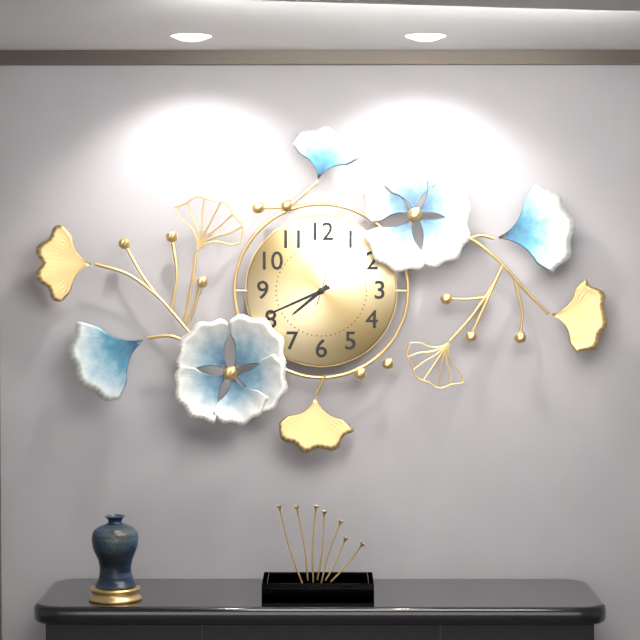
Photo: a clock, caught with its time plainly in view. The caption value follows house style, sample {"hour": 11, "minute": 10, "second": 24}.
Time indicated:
{"hour": 7, "minute": 41, "second": 3}
